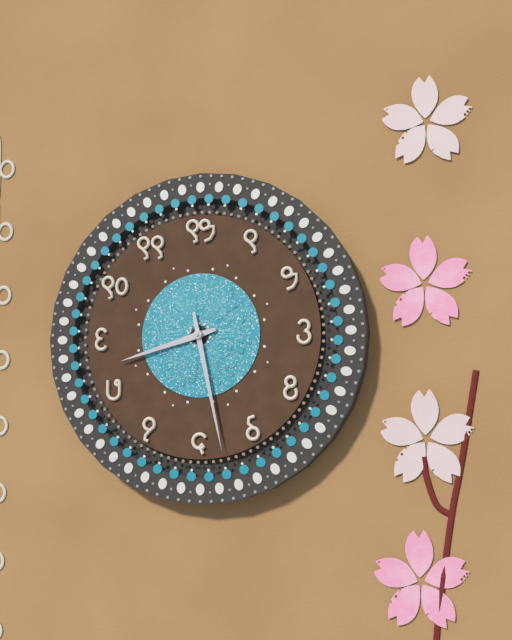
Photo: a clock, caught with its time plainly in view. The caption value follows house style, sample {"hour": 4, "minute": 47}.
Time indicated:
{"hour": 8, "minute": 28}
